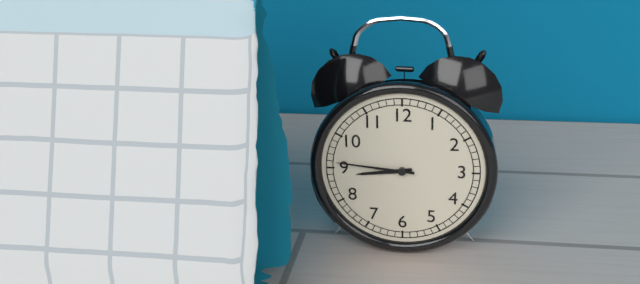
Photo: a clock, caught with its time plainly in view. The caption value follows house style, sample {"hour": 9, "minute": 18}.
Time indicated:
{"hour": 8, "minute": 46}
